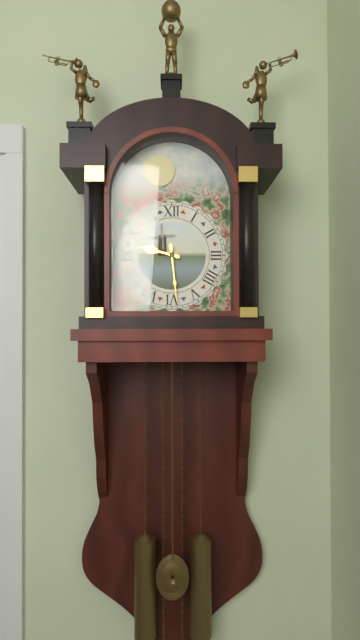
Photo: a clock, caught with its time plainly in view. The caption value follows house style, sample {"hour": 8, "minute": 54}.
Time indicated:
{"hour": 9, "minute": 29}
